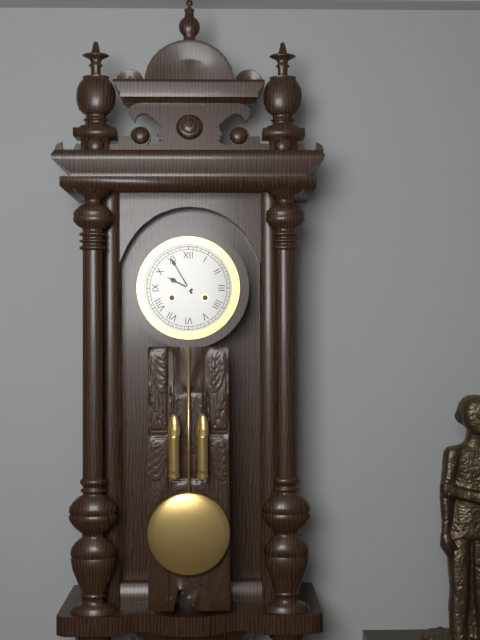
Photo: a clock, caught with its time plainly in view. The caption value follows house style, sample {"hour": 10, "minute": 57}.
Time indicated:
{"hour": 9, "minute": 55}
